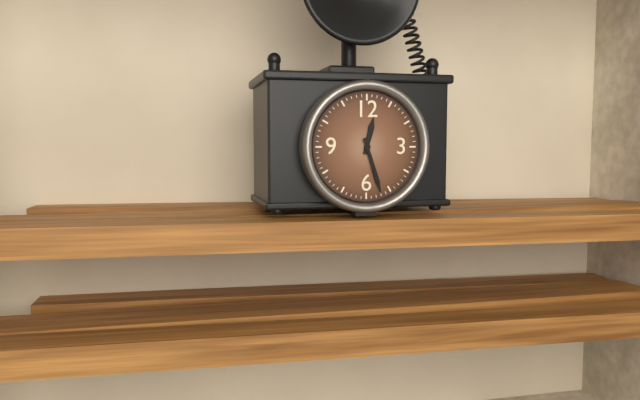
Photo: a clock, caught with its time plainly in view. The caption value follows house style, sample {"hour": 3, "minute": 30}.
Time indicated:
{"hour": 12, "minute": 27}
